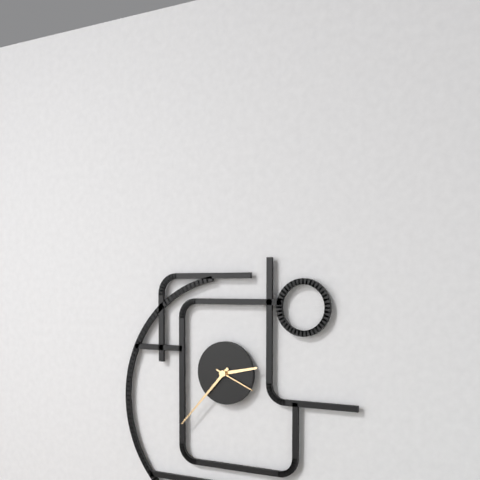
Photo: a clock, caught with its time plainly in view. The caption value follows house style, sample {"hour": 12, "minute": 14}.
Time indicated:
{"hour": 2, "minute": 37}
